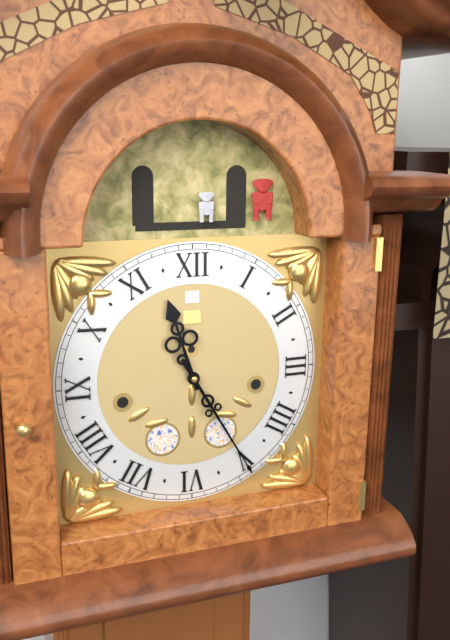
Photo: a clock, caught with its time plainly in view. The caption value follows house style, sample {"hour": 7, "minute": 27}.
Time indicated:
{"hour": 11, "minute": 25}
